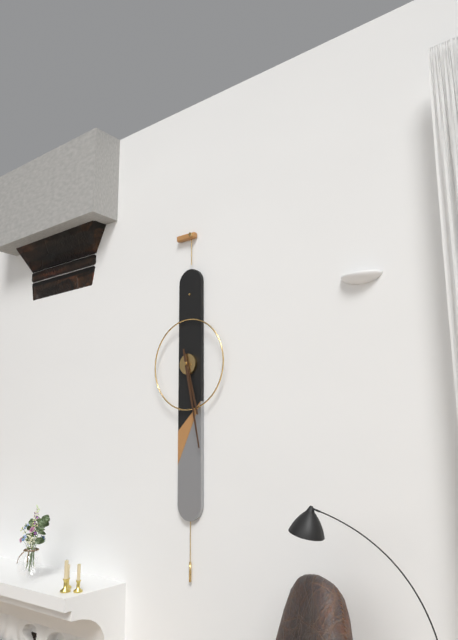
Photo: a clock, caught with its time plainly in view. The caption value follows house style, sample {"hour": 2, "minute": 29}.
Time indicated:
{"hour": 5, "minute": 28}
